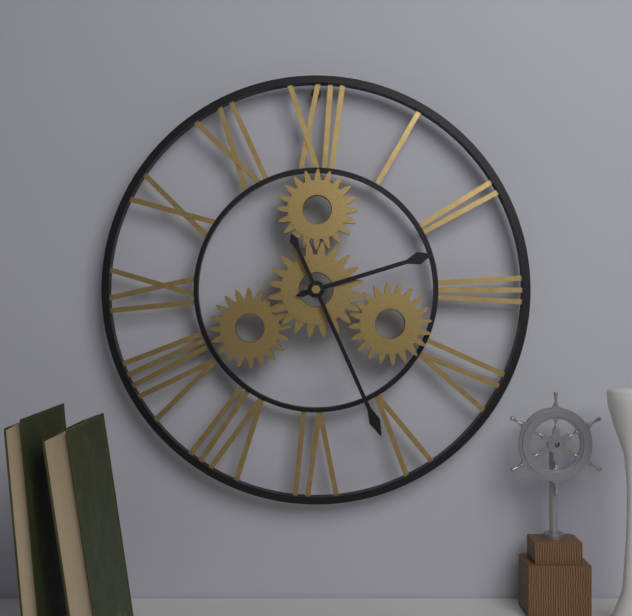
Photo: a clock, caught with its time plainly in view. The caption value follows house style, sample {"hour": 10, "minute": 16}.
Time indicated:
{"hour": 2, "minute": 26}
